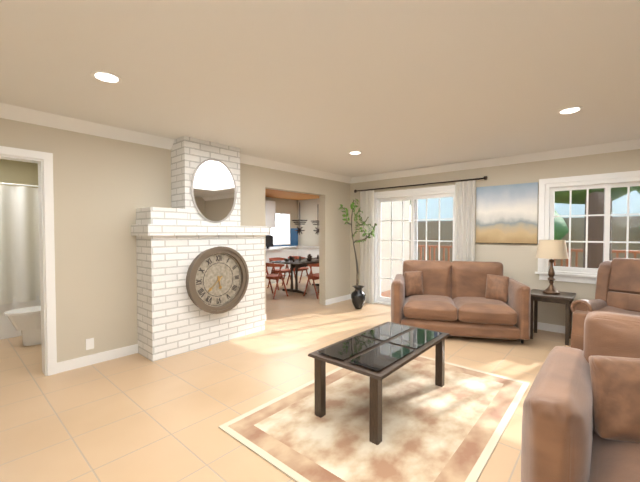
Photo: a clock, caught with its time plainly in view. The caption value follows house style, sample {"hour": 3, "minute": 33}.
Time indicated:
{"hour": 5, "minute": 38}
